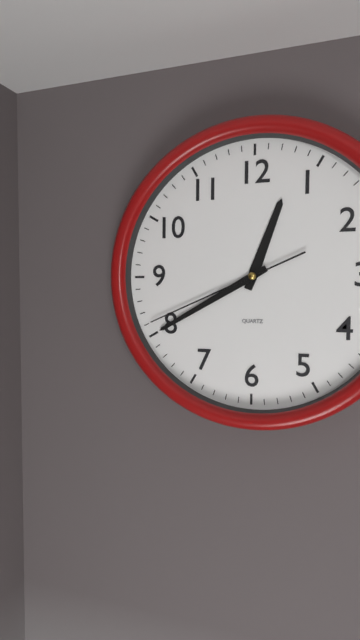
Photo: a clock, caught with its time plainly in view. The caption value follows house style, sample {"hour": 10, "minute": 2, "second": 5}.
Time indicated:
{"hour": 12, "minute": 40, "second": 41}
